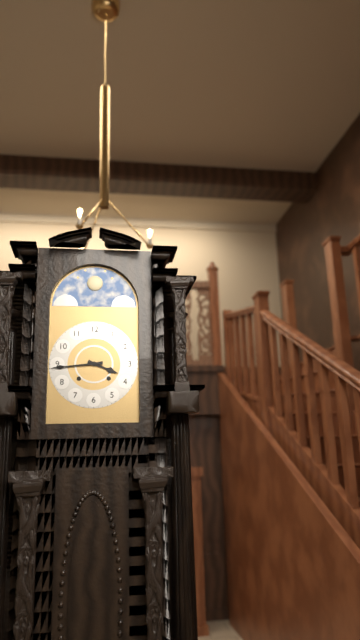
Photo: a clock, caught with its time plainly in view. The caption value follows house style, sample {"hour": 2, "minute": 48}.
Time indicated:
{"hour": 3, "minute": 44}
